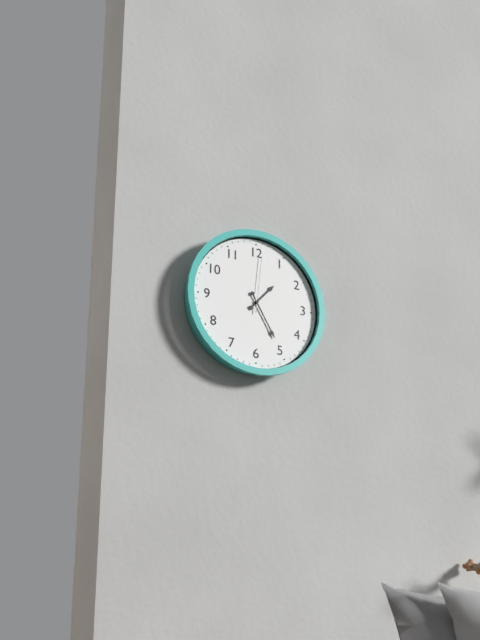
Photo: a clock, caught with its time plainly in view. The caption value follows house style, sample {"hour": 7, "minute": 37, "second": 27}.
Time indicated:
{"hour": 1, "minute": 25, "second": 1}
